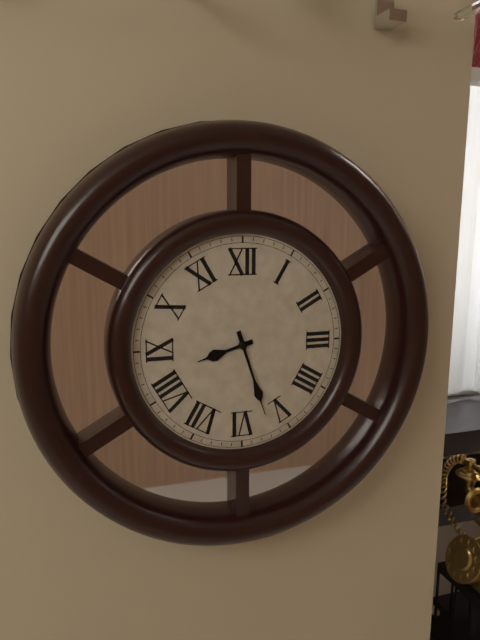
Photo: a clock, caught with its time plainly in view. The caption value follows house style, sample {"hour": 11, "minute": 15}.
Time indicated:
{"hour": 8, "minute": 27}
